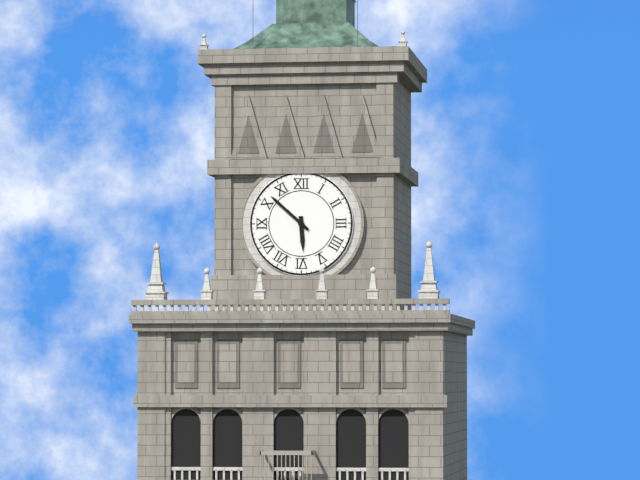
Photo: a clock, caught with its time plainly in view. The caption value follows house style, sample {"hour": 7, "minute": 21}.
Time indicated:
{"hour": 5, "minute": 52}
